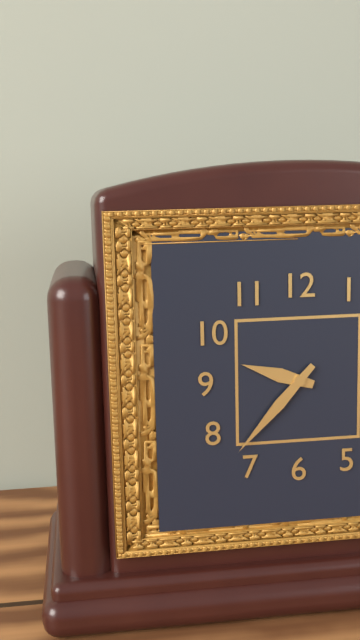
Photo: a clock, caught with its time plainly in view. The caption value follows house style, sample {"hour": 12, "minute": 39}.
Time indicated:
{"hour": 9, "minute": 37}
